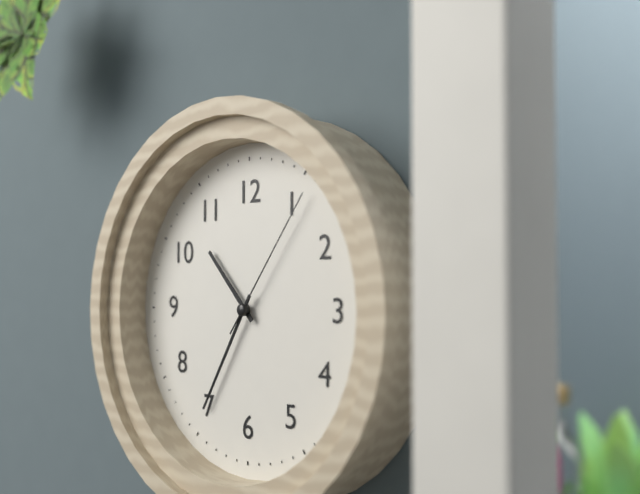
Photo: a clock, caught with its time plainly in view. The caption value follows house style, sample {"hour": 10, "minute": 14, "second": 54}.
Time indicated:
{"hour": 10, "minute": 35, "second": 6}
